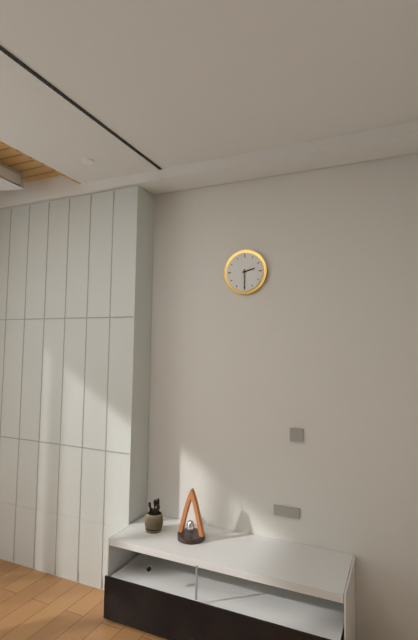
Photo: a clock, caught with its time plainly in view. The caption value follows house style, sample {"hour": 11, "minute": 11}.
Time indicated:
{"hour": 2, "minute": 30}
